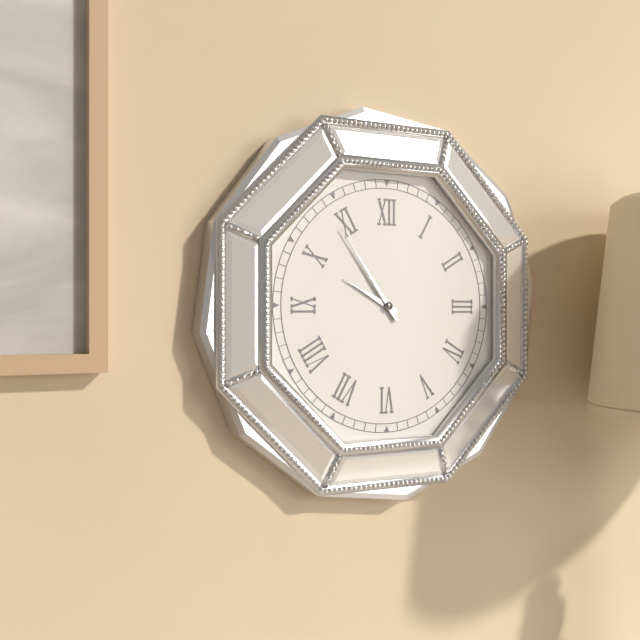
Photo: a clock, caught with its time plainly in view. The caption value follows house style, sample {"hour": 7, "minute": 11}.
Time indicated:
{"hour": 9, "minute": 54}
